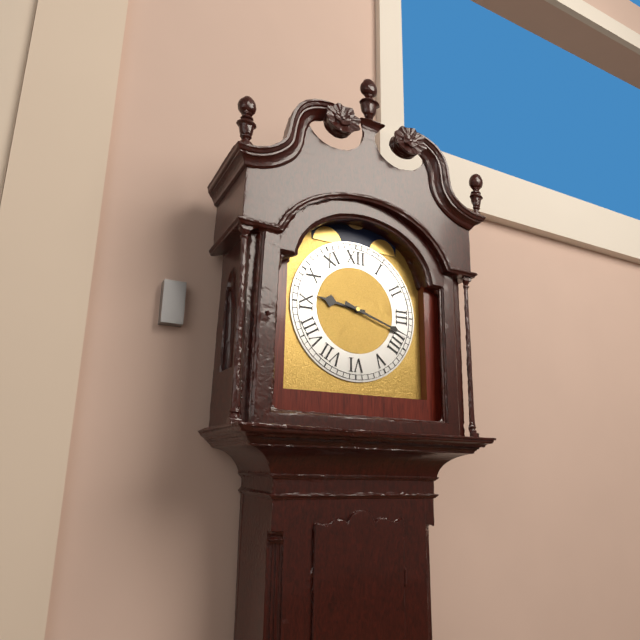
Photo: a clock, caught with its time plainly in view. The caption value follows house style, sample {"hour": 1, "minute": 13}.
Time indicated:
{"hour": 9, "minute": 18}
